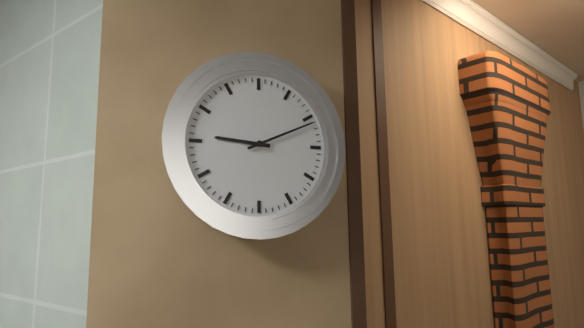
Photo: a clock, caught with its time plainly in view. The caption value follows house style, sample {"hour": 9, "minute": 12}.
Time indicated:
{"hour": 9, "minute": 11}
